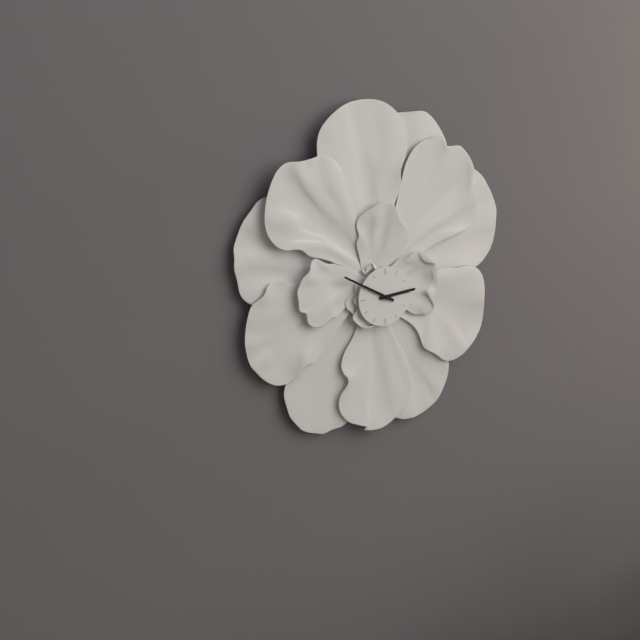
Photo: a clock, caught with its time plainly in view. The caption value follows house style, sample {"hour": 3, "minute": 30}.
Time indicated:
{"hour": 2, "minute": 50}
